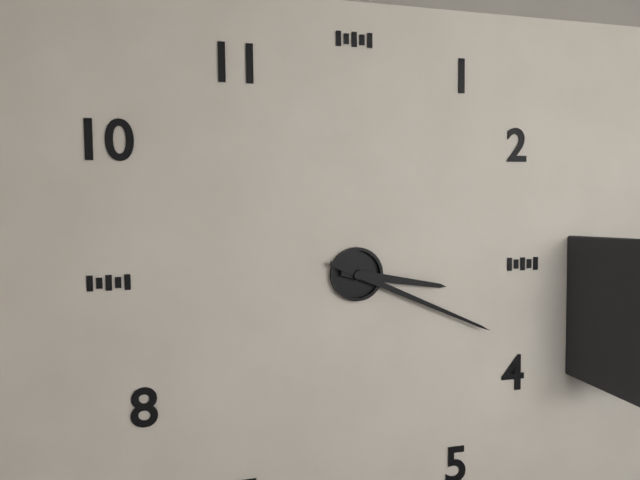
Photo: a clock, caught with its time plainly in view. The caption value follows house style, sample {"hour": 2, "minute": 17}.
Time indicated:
{"hour": 3, "minute": 19}
